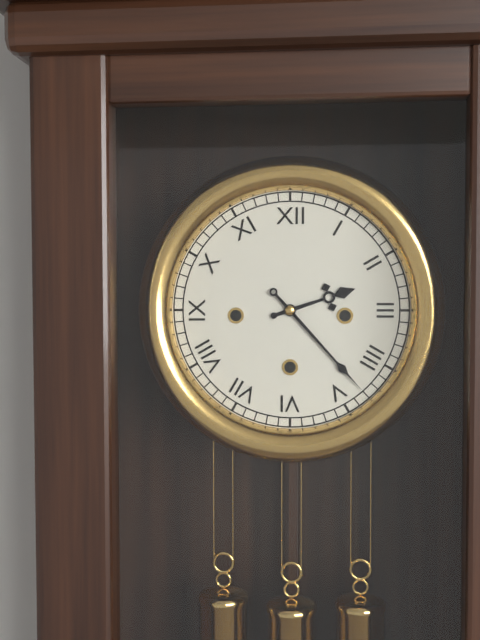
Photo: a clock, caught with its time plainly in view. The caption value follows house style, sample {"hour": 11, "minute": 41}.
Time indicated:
{"hour": 2, "minute": 23}
